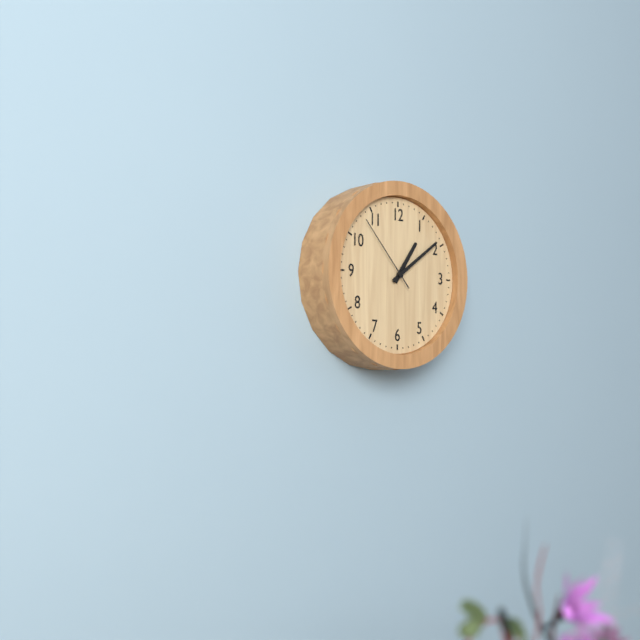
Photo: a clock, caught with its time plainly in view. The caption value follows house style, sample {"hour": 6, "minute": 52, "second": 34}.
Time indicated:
{"hour": 1, "minute": 9, "second": 53}
